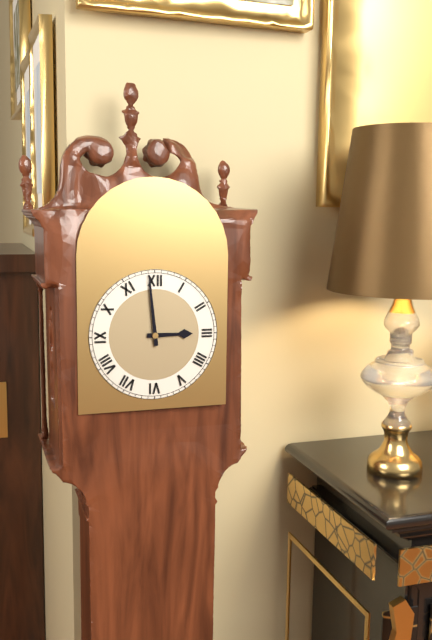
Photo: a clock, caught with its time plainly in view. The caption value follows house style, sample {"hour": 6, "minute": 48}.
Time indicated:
{"hour": 2, "minute": 59}
